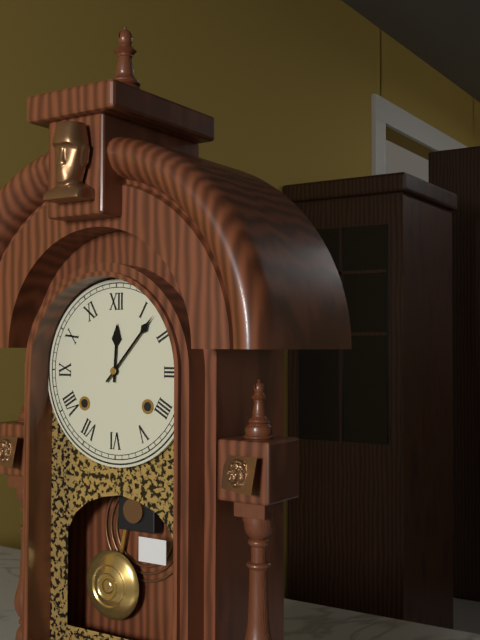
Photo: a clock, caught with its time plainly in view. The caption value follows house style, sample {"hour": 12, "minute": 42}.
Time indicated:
{"hour": 12, "minute": 7}
